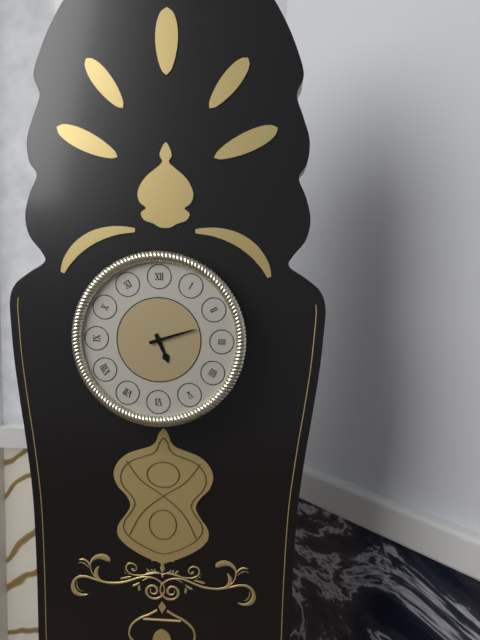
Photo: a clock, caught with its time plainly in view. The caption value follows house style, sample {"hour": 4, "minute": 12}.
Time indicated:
{"hour": 5, "minute": 12}
